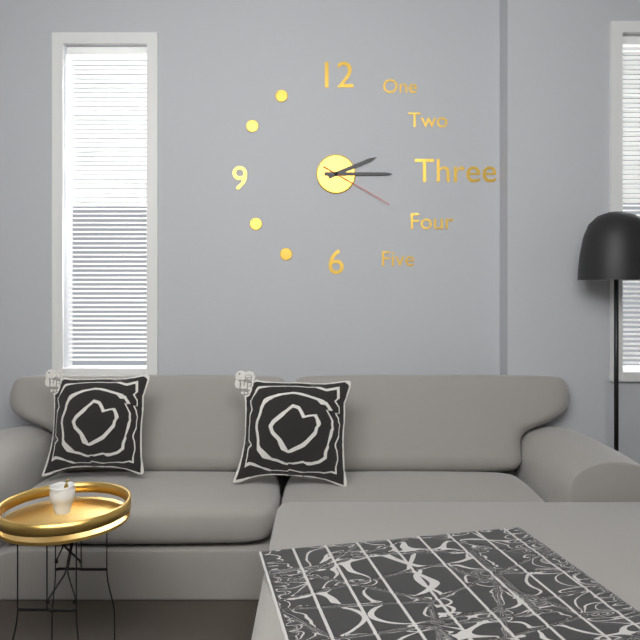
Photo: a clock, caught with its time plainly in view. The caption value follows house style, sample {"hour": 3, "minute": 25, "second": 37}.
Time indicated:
{"hour": 2, "minute": 15, "second": 20}
